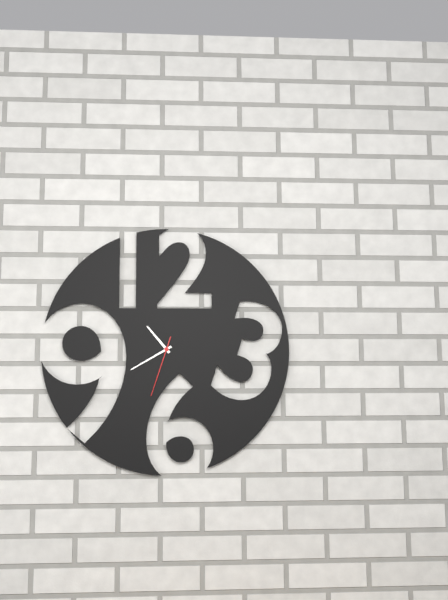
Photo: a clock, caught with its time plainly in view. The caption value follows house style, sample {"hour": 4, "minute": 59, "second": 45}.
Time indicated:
{"hour": 10, "minute": 40, "second": 33}
